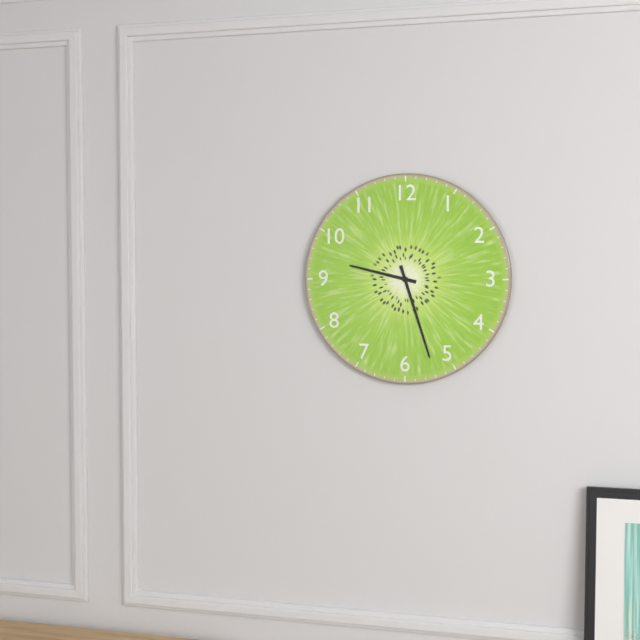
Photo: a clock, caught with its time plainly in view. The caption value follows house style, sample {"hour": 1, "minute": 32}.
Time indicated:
{"hour": 9, "minute": 27}
